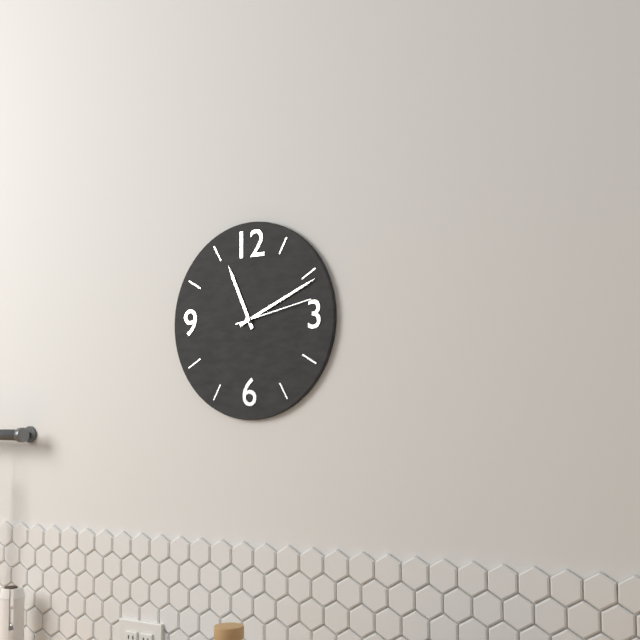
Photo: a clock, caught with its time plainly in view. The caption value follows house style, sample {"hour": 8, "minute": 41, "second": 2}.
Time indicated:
{"hour": 11, "minute": 11, "second": 13}
